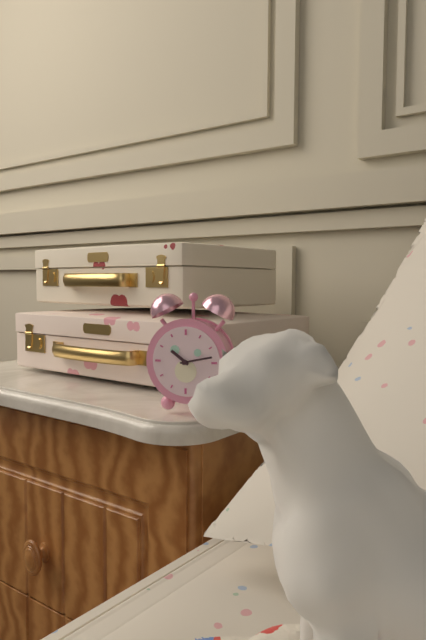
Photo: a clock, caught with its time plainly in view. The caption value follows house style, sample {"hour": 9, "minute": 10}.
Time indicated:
{"hour": 10, "minute": 13}
